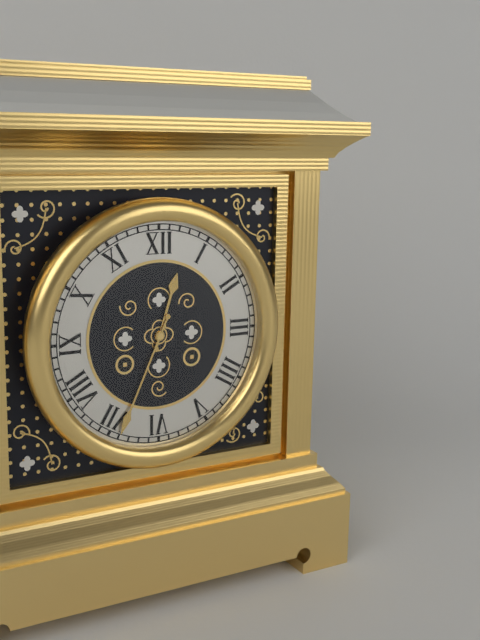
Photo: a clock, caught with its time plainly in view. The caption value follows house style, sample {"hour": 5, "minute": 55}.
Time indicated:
{"hour": 12, "minute": 34}
